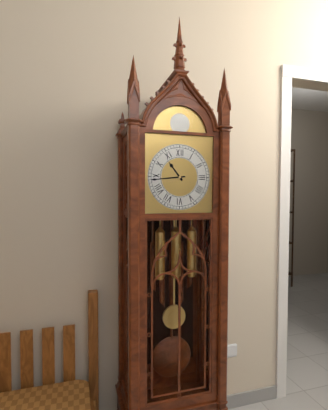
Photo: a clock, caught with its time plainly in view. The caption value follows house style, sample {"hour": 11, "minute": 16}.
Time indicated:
{"hour": 10, "minute": 44}
